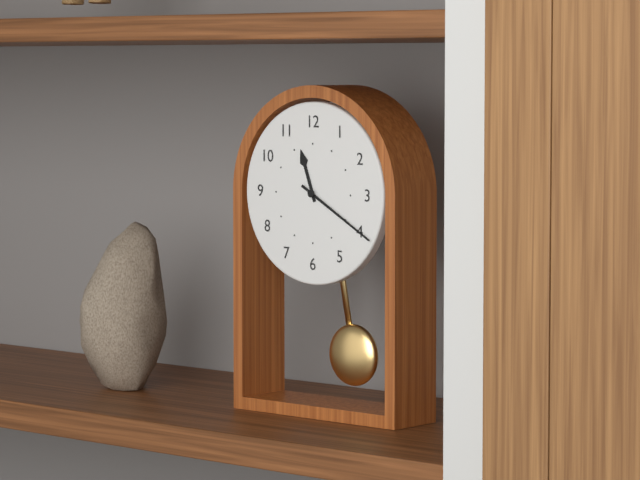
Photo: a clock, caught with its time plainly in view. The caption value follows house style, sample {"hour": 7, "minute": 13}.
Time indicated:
{"hour": 11, "minute": 20}
